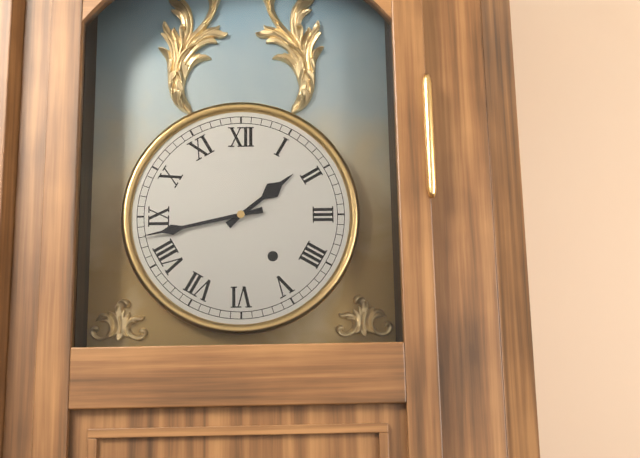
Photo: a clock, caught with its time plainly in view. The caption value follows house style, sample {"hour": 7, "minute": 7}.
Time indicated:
{"hour": 1, "minute": 43}
